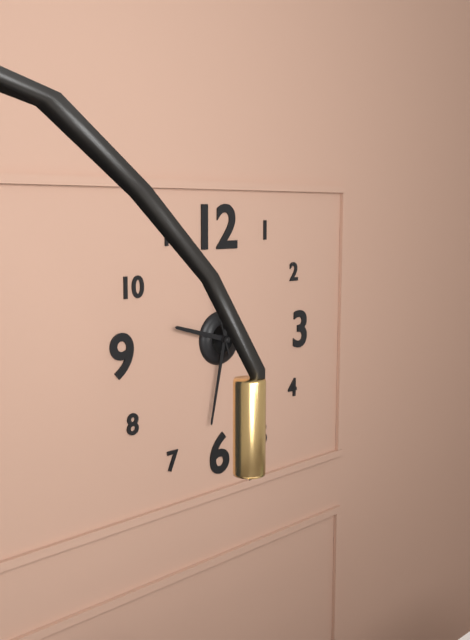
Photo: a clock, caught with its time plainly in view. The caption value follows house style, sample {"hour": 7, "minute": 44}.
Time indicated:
{"hour": 9, "minute": 32}
